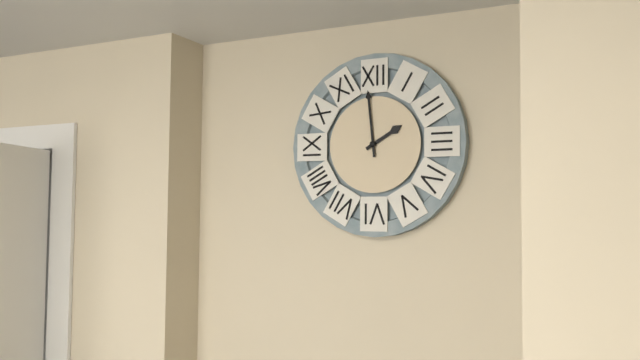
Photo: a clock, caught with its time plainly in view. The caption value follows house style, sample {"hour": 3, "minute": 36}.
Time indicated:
{"hour": 1, "minute": 59}
